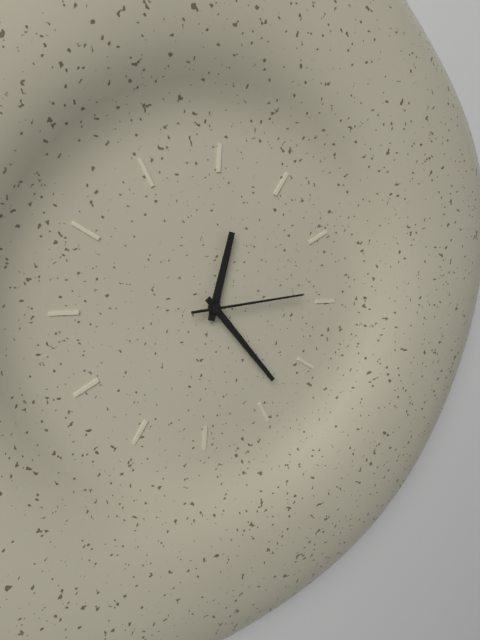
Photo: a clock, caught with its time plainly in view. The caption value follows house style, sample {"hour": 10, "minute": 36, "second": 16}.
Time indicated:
{"hour": 12, "minute": 23, "second": 14}
